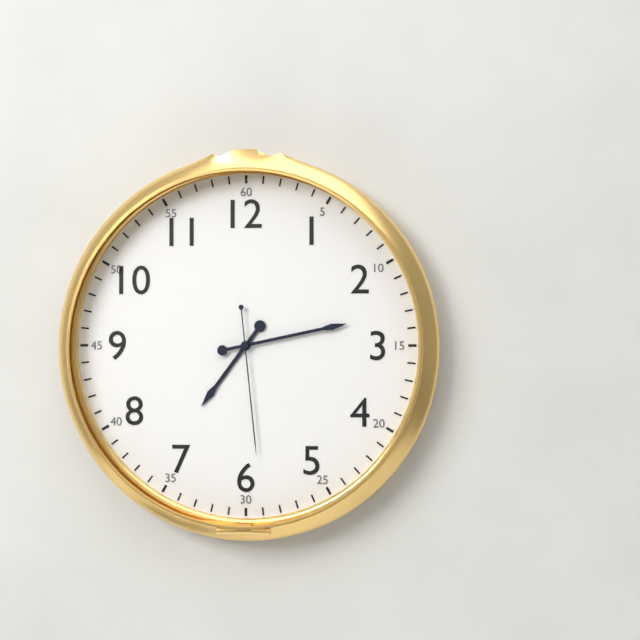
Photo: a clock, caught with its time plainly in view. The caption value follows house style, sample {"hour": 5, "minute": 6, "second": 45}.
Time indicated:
{"hour": 7, "minute": 13, "second": 29}
